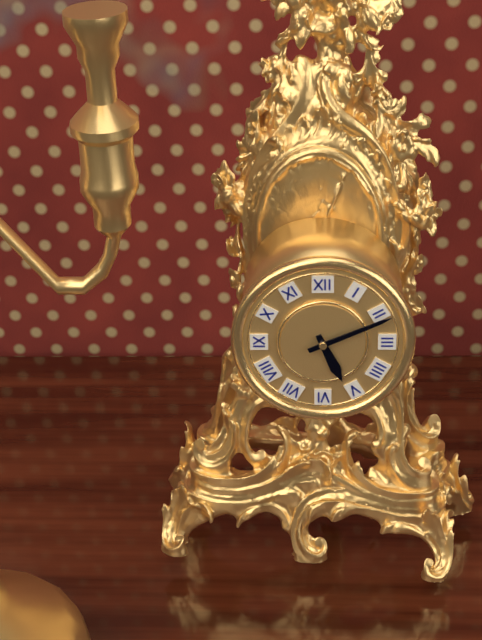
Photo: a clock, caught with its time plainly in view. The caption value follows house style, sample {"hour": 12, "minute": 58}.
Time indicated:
{"hour": 5, "minute": 11}
